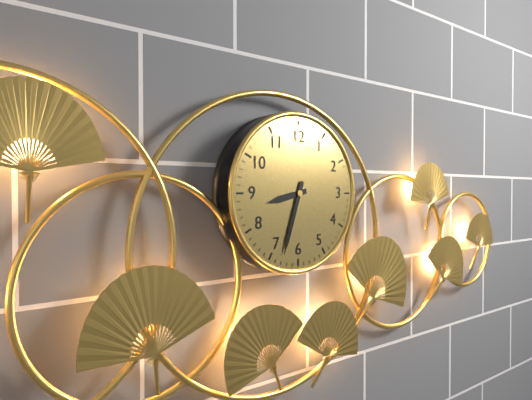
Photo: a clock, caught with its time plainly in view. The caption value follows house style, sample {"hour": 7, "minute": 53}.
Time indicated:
{"hour": 8, "minute": 33}
